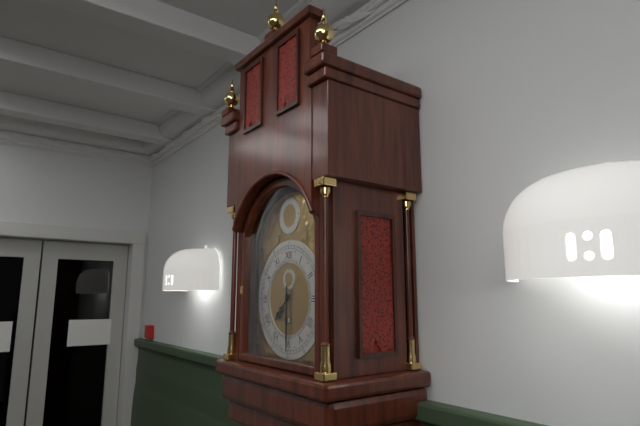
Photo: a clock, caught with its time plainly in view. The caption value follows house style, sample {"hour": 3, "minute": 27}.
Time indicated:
{"hour": 7, "minute": 30}
